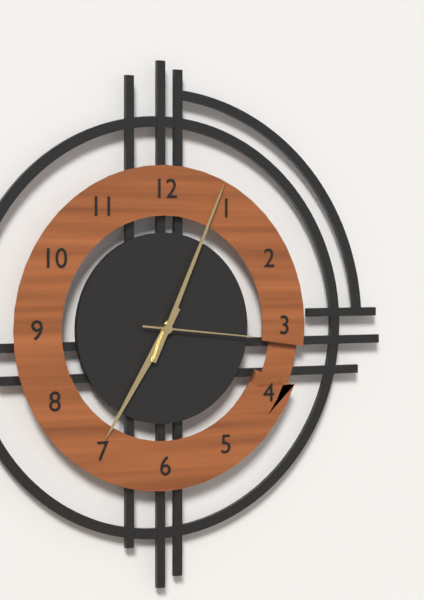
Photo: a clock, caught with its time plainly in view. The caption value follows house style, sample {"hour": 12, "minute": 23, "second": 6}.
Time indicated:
{"hour": 7, "minute": 4, "second": 16}
